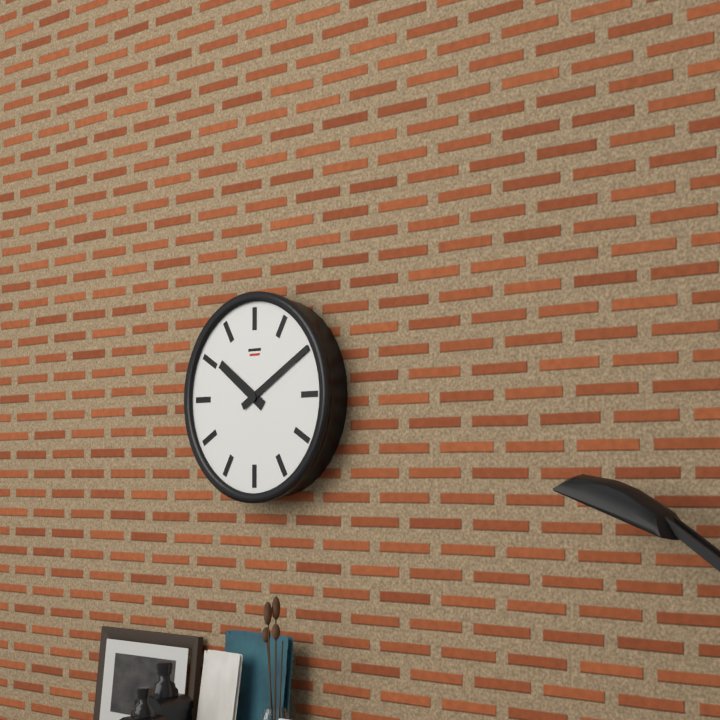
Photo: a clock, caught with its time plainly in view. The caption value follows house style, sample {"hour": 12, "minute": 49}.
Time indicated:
{"hour": 10, "minute": 10}
